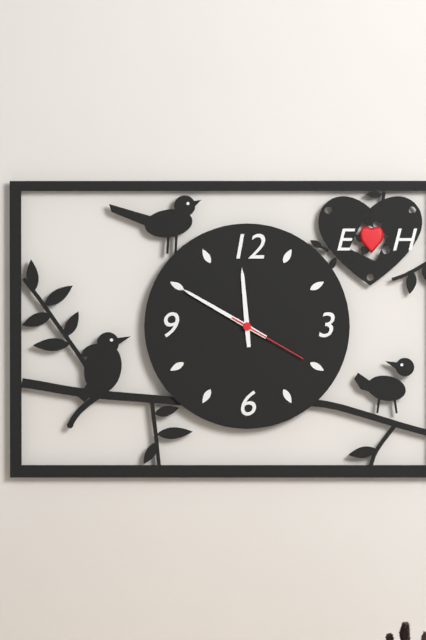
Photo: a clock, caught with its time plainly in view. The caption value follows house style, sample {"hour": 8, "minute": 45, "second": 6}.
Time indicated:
{"hour": 11, "minute": 50, "second": 20}
